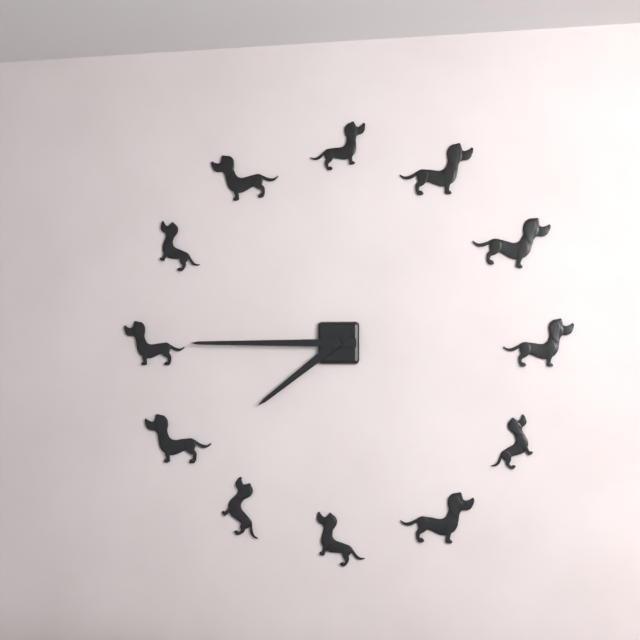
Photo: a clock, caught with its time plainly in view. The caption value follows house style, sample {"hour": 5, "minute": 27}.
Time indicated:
{"hour": 7, "minute": 45}
